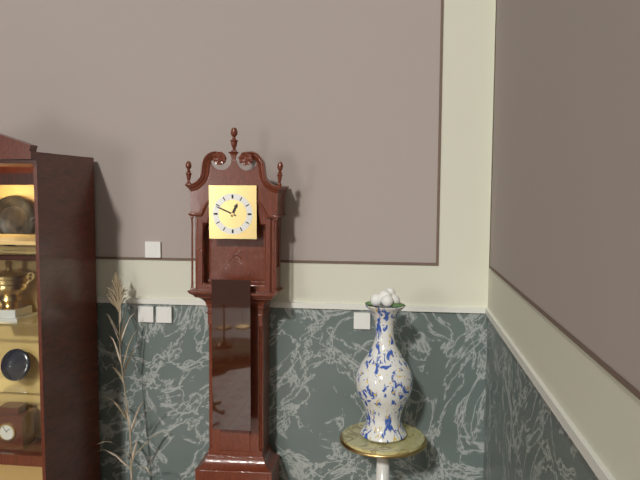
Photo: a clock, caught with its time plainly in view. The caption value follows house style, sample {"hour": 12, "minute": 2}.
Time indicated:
{"hour": 12, "minute": 49}
